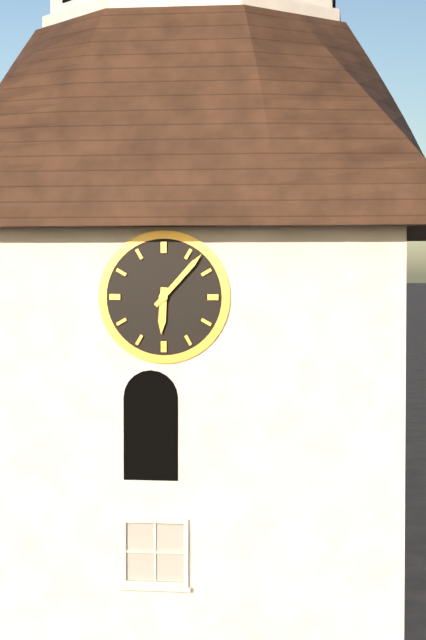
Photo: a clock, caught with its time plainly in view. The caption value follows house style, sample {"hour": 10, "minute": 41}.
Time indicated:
{"hour": 6, "minute": 7}
